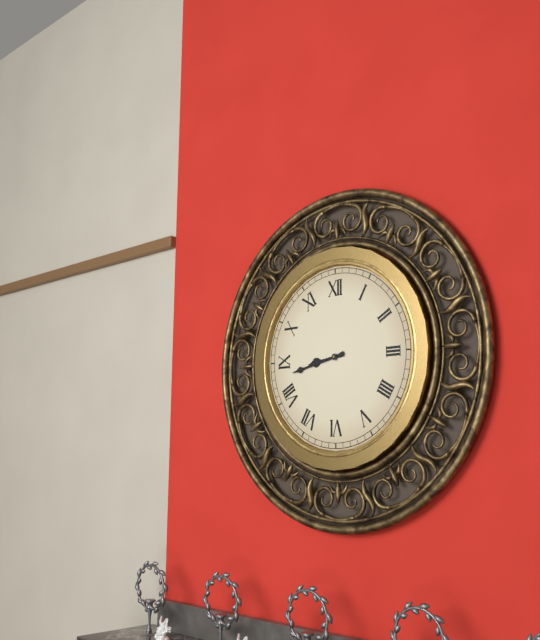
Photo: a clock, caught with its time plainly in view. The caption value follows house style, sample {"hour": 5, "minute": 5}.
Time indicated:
{"hour": 8, "minute": 43}
